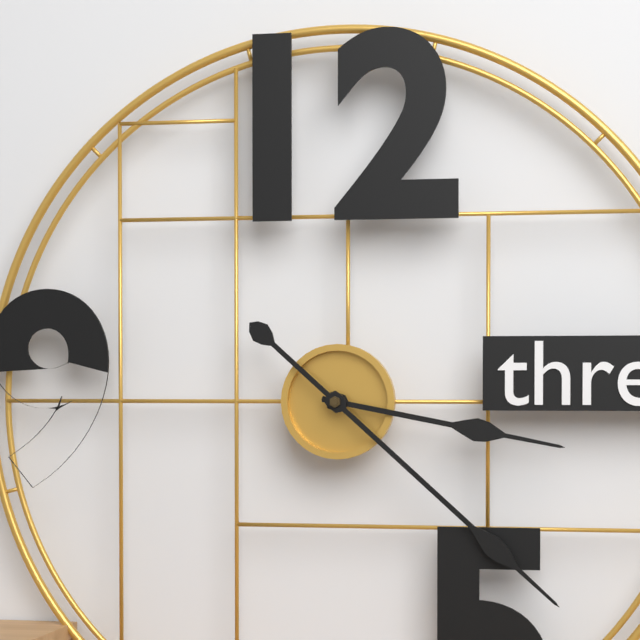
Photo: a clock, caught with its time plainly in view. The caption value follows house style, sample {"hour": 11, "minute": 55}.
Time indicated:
{"hour": 3, "minute": 22}
